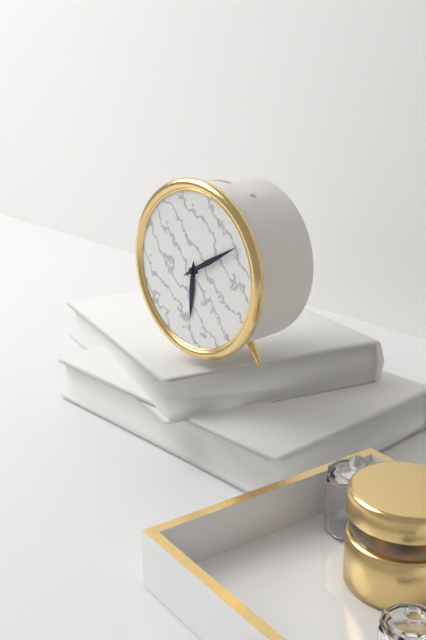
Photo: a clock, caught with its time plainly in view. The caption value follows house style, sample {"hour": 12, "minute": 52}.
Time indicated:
{"hour": 6, "minute": 10}
